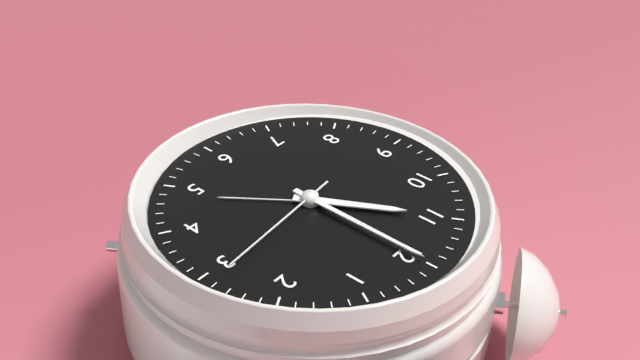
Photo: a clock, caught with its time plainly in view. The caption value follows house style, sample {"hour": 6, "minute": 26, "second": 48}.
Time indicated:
{"hour": 11, "minute": 0, "second": 14}
